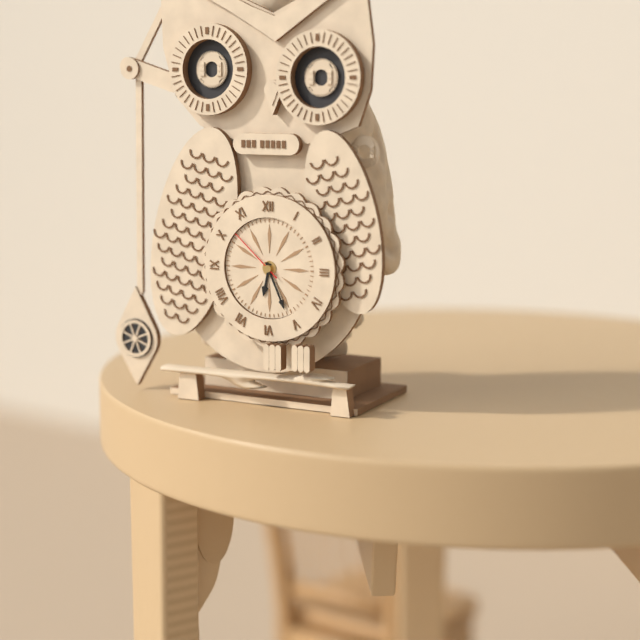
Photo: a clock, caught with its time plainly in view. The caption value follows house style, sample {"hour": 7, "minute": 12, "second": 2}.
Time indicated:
{"hour": 6, "minute": 26, "second": 52}
